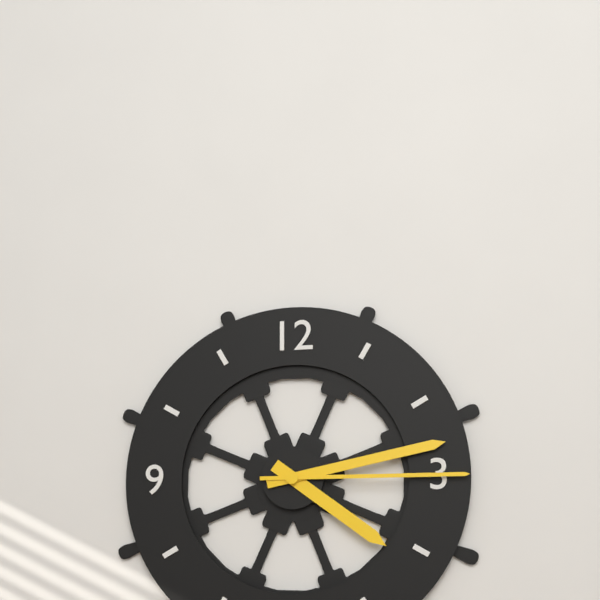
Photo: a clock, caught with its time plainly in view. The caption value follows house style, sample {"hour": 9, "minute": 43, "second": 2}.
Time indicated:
{"hour": 4, "minute": 13, "second": 15}
